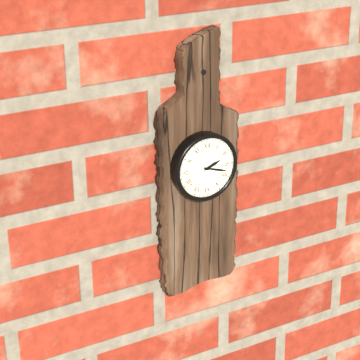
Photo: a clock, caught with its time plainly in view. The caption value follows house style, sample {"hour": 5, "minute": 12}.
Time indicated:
{"hour": 2, "minute": 18}
